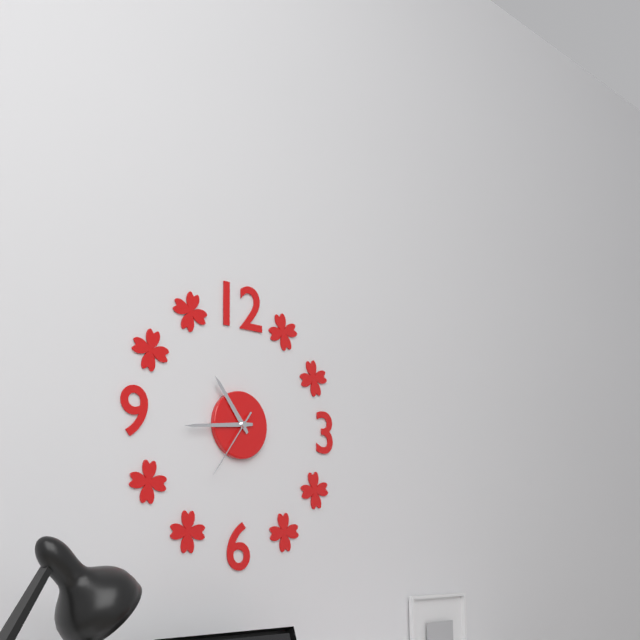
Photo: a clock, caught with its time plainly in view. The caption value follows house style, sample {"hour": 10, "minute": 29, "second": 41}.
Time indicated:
{"hour": 10, "minute": 44, "second": 36}
